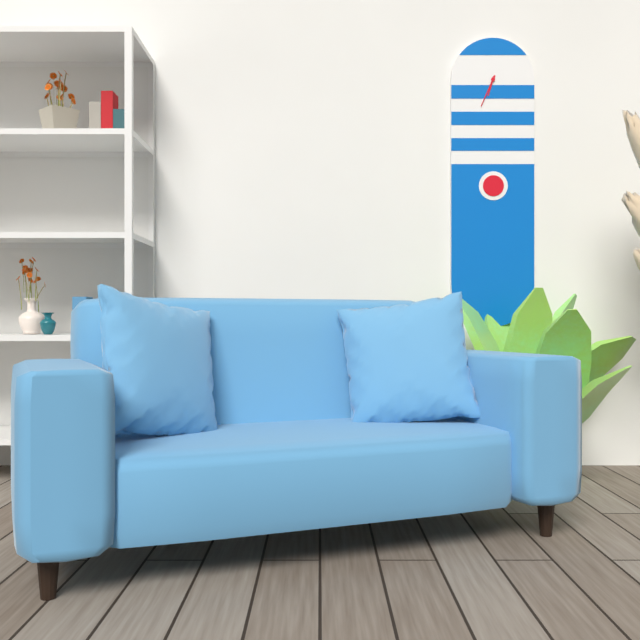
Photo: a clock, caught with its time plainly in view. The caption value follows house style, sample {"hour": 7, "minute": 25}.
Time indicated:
{"hour": 6, "minute": 34}
